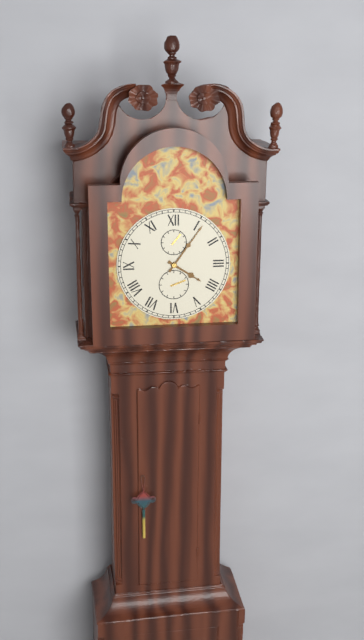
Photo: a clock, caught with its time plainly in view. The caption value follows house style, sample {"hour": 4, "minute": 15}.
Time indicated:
{"hour": 4, "minute": 6}
